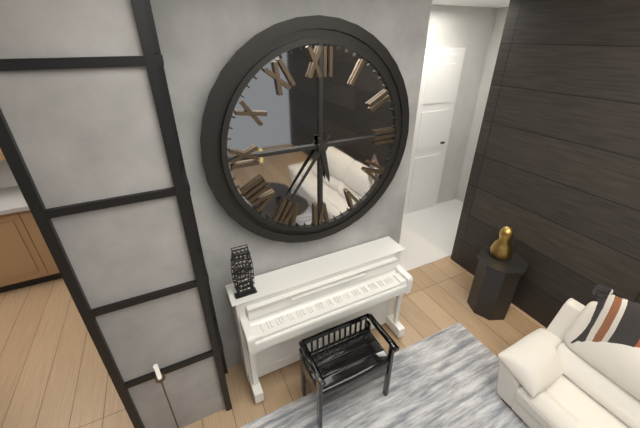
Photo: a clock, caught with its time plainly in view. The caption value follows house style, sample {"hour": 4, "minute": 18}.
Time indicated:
{"hour": 5, "minute": 36}
